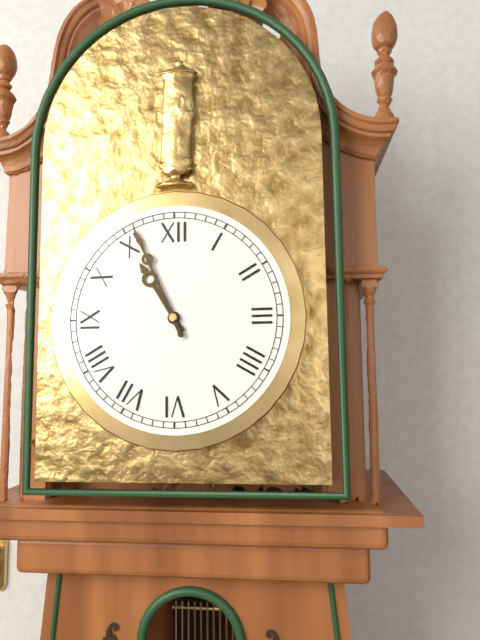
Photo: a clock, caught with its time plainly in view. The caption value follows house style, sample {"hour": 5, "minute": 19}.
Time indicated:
{"hour": 10, "minute": 56}
